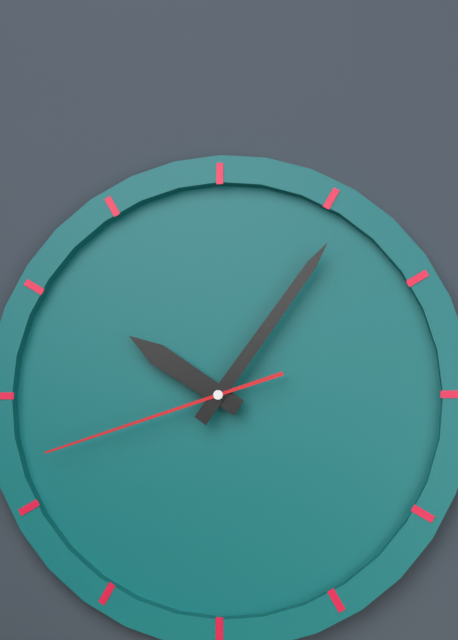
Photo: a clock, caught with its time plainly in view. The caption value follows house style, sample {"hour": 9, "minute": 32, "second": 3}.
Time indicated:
{"hour": 10, "minute": 6, "second": 42}
